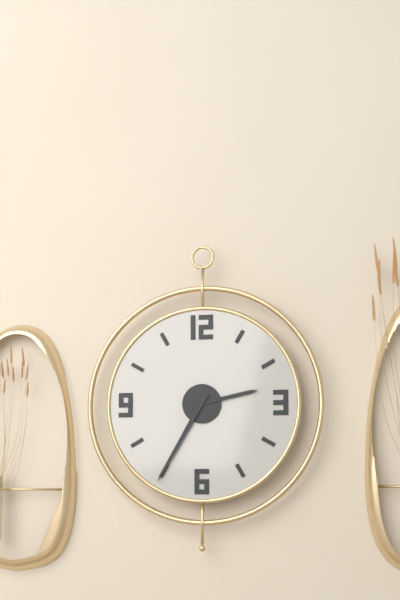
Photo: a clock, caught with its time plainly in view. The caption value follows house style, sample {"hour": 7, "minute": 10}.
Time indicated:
{"hour": 2, "minute": 35}
